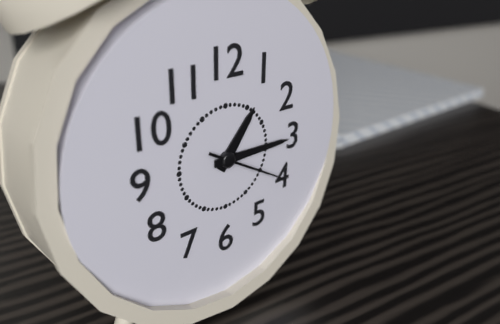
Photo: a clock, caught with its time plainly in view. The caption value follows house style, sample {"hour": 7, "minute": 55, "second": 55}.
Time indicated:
{"hour": 1, "minute": 15, "second": 20}
